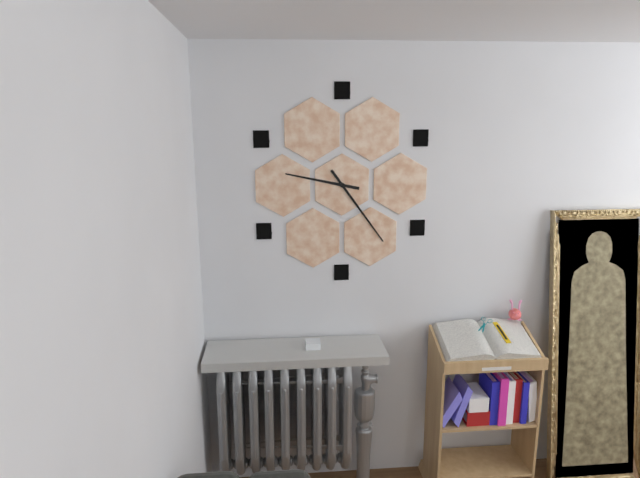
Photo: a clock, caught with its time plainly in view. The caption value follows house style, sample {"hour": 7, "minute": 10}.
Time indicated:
{"hour": 9, "minute": 24}
